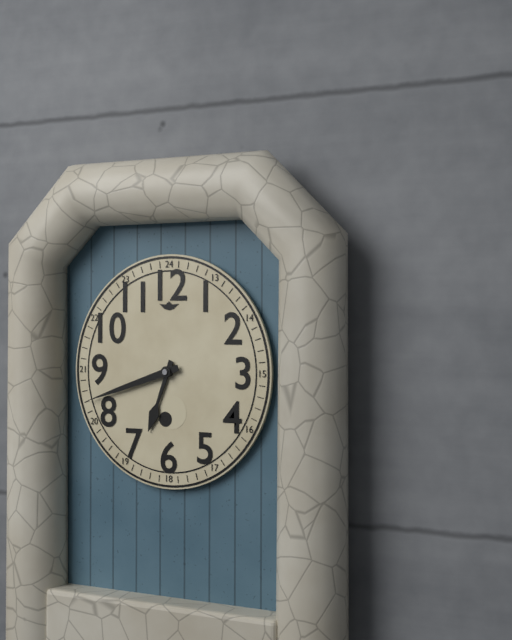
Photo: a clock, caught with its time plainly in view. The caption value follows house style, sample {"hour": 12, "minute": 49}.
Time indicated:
{"hour": 6, "minute": 42}
